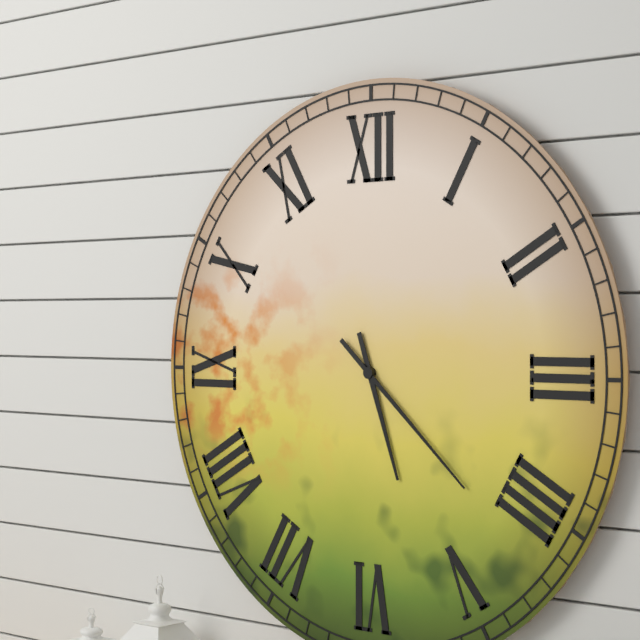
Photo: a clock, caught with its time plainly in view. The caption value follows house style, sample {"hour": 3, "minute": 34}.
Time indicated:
{"hour": 5, "minute": 22}
